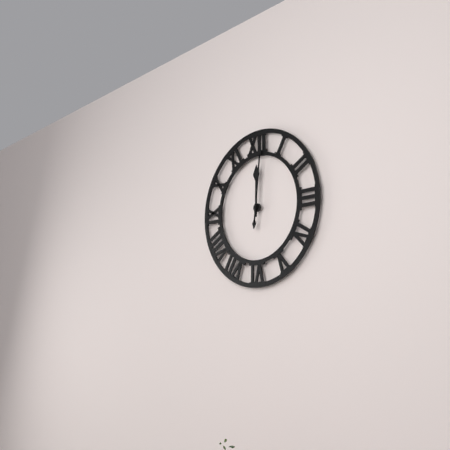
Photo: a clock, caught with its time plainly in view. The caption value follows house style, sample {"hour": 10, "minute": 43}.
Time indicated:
{"hour": 12, "minute": 1}
